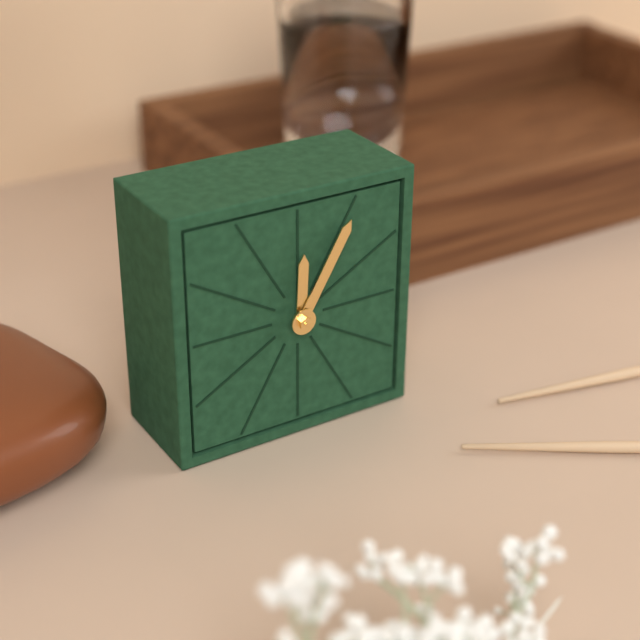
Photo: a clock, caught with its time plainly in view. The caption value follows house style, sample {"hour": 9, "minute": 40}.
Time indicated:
{"hour": 12, "minute": 5}
